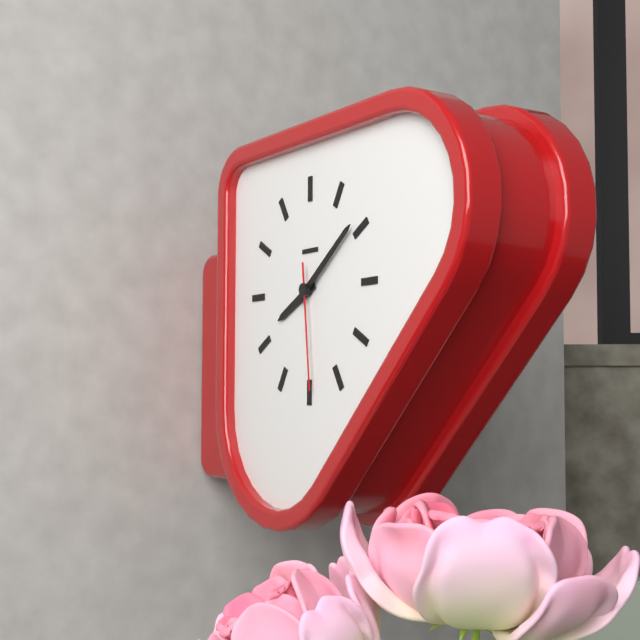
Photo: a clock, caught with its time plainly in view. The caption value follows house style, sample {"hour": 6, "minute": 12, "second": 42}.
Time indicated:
{"hour": 8, "minute": 9, "second": 29}
